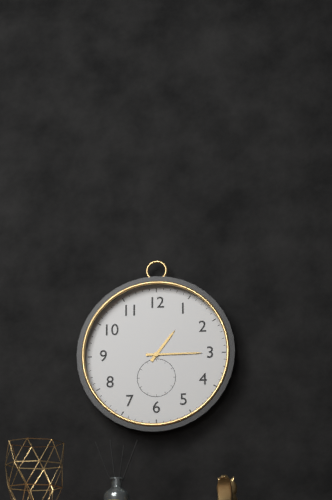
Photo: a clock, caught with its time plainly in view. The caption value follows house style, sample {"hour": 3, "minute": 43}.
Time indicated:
{"hour": 1, "minute": 15}
